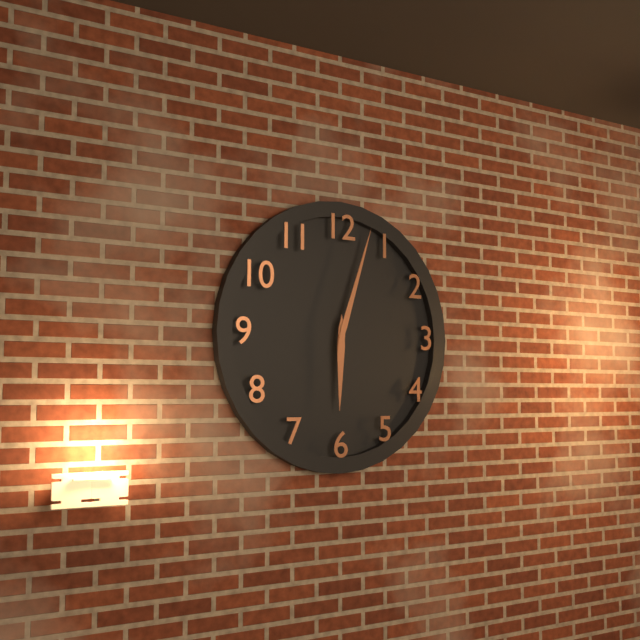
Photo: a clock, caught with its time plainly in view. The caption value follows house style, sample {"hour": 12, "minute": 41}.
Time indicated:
{"hour": 6, "minute": 3}
